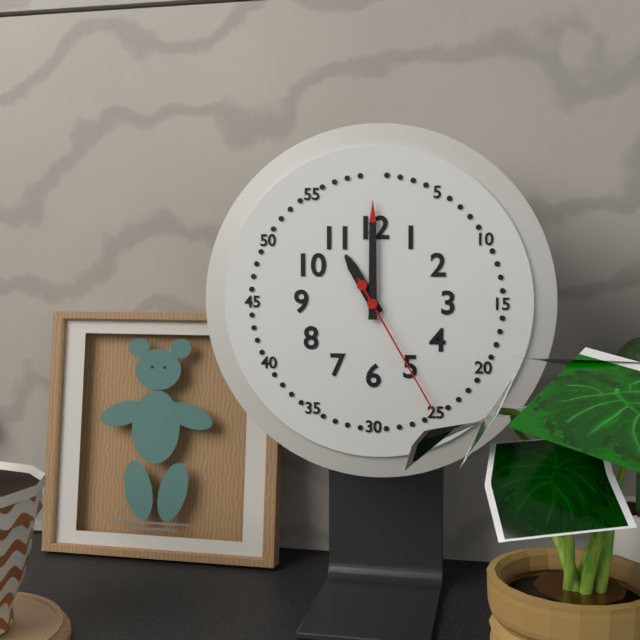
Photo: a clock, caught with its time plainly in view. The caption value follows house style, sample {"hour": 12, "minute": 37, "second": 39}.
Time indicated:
{"hour": 11, "minute": 0, "second": 25}
